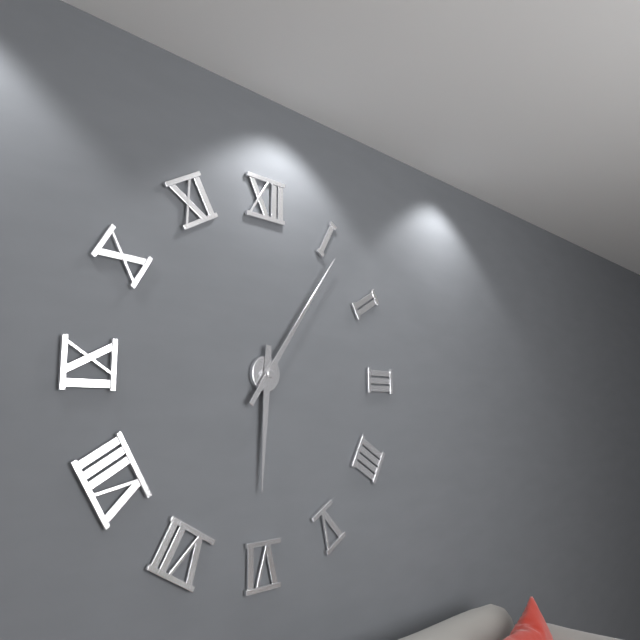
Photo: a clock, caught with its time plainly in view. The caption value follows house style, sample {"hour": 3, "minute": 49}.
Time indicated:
{"hour": 6, "minute": 6}
